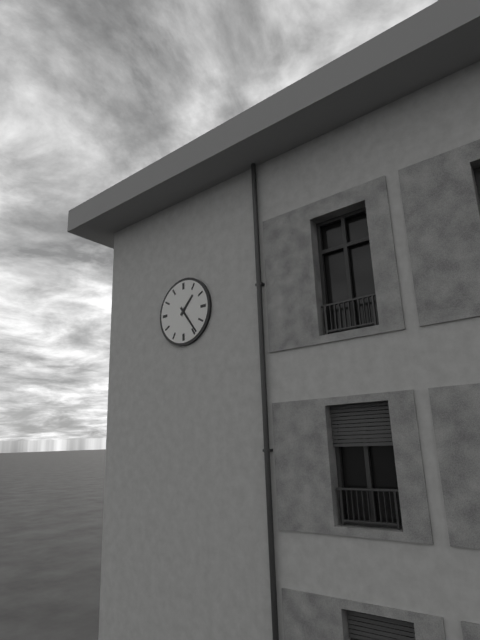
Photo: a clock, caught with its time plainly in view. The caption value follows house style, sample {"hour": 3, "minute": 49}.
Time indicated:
{"hour": 1, "minute": 24}
